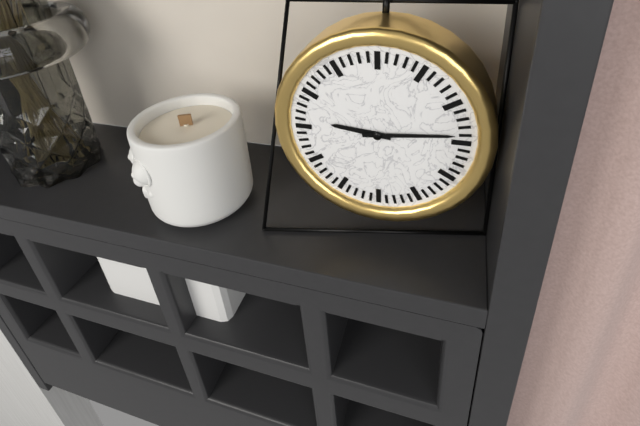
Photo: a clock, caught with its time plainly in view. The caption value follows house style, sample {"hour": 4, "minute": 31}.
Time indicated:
{"hour": 9, "minute": 14}
